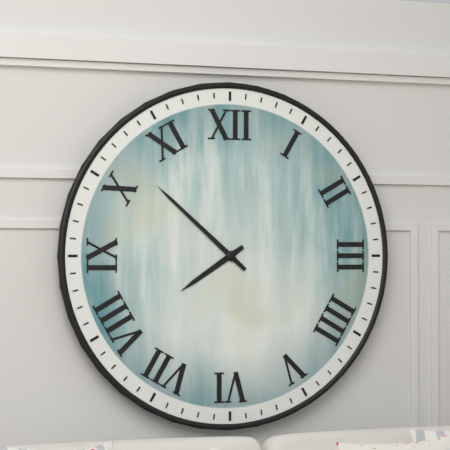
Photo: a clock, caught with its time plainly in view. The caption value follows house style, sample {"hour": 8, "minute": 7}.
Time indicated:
{"hour": 7, "minute": 52}
